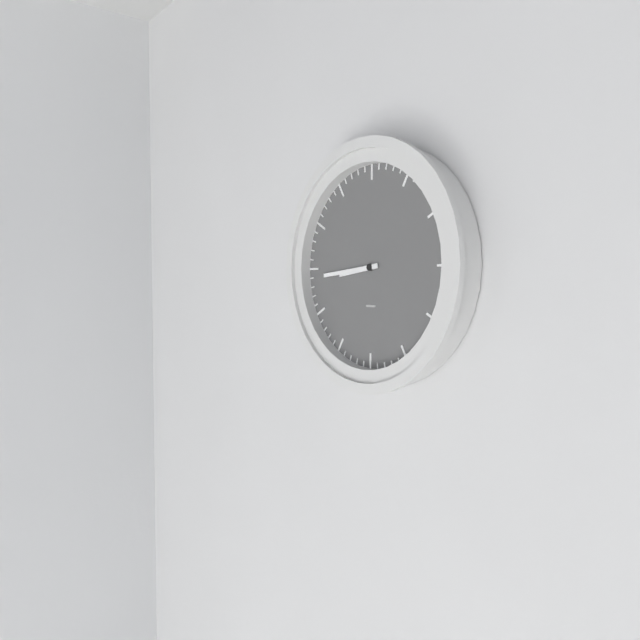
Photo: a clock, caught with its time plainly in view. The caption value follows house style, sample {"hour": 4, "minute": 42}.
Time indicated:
{"hour": 8, "minute": 44}
